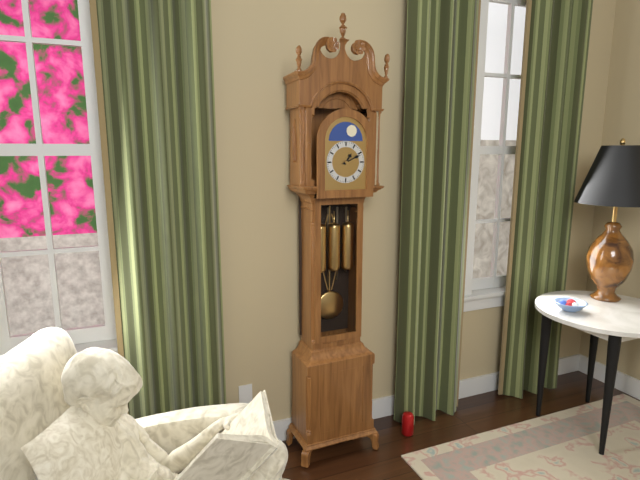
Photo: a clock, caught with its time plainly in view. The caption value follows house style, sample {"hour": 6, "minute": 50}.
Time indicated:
{"hour": 1, "minute": 11}
